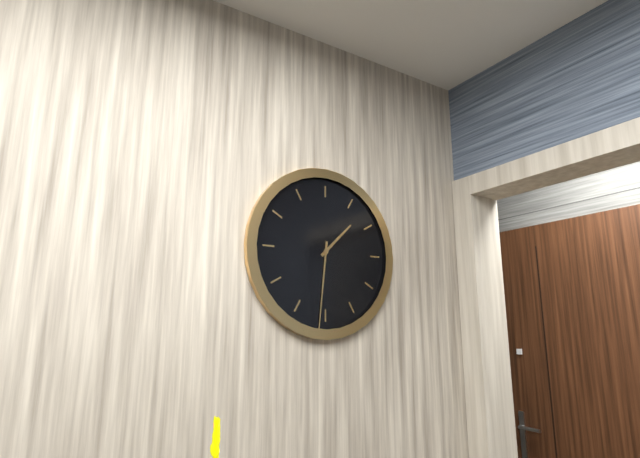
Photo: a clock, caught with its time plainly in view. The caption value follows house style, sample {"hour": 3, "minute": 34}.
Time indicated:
{"hour": 1, "minute": 31}
